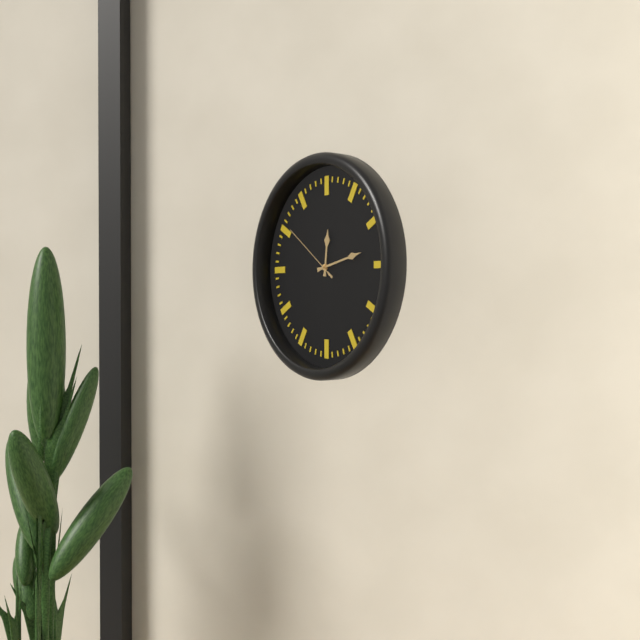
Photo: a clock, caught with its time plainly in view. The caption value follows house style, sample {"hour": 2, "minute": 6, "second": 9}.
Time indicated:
{"hour": 12, "minute": 13, "second": 51}
